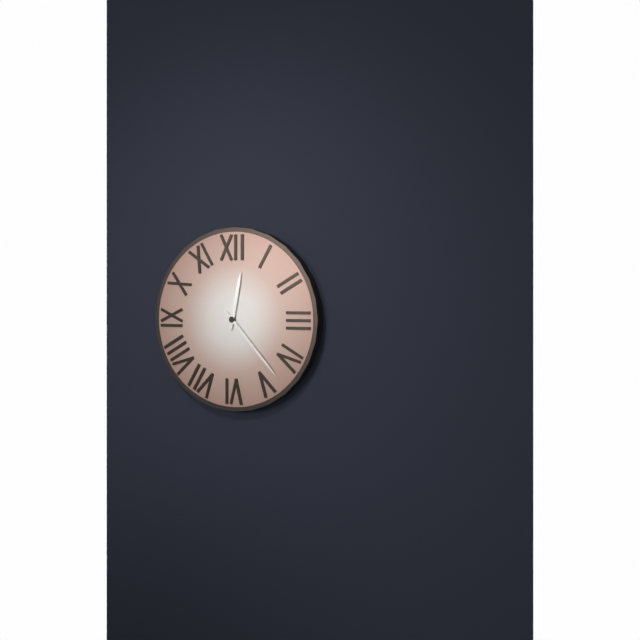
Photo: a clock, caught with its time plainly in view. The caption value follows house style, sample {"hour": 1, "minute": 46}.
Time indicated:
{"hour": 12, "minute": 23}
